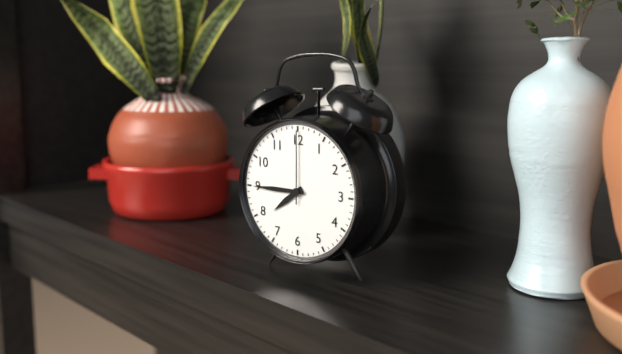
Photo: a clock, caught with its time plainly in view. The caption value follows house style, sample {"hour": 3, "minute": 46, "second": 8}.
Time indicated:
{"hour": 7, "minute": 45, "second": 0}
